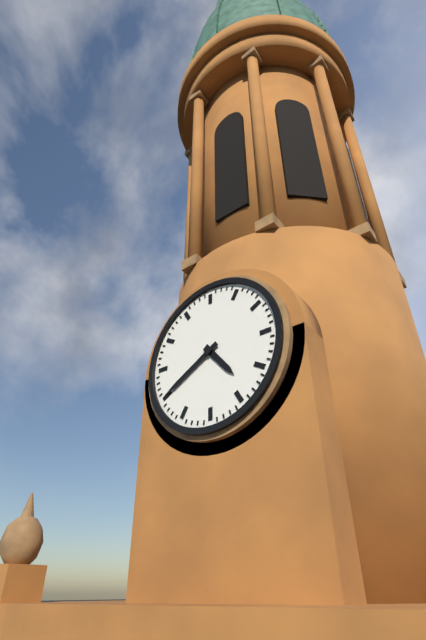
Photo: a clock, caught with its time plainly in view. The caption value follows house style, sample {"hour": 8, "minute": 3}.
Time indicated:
{"hour": 4, "minute": 40}
